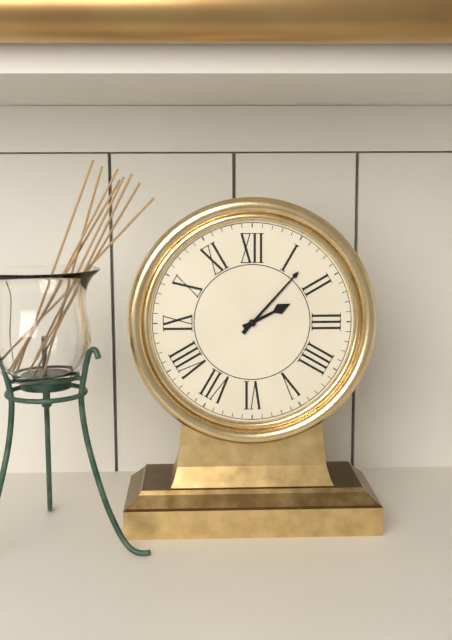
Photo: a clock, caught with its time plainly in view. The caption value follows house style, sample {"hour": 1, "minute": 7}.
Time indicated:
{"hour": 2, "minute": 7}
